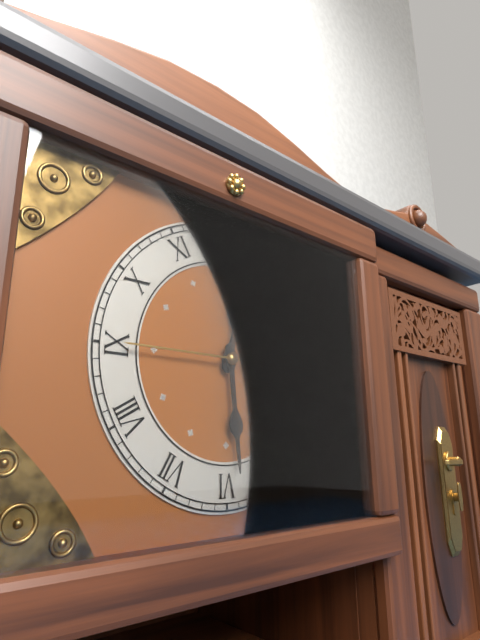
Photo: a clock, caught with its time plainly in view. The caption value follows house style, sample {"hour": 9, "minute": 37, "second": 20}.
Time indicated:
{"hour": 12, "minute": 29, "second": 45}
